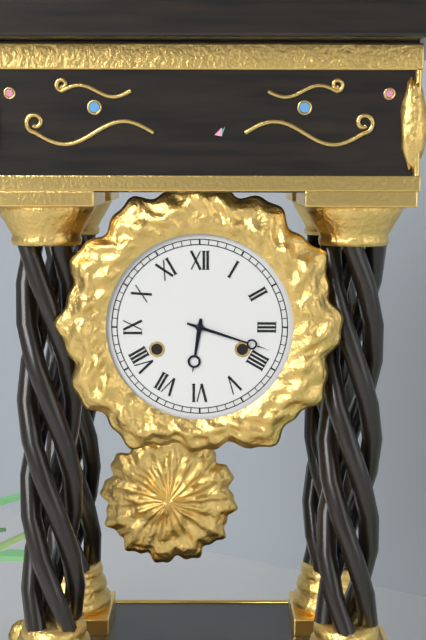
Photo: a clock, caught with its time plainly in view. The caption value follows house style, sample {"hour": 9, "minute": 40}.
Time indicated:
{"hour": 6, "minute": 18}
